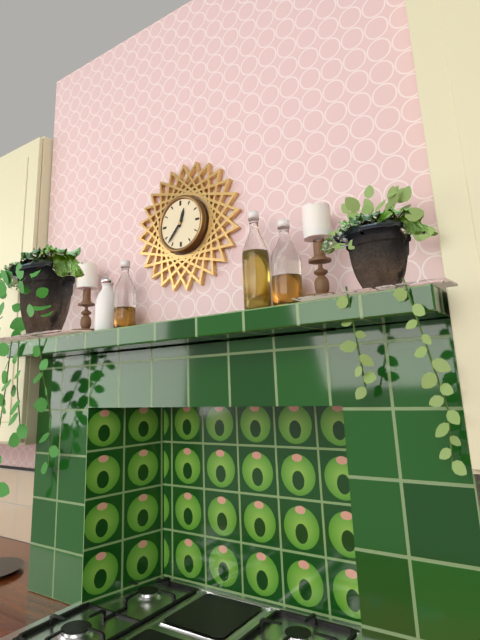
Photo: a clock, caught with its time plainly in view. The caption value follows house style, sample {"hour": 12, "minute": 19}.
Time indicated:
{"hour": 12, "minute": 37}
